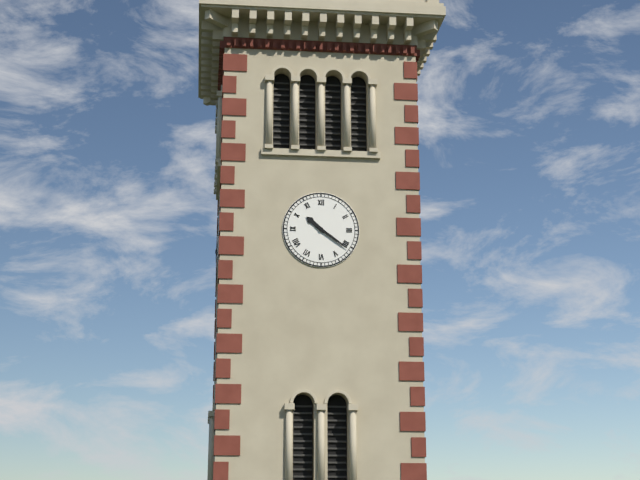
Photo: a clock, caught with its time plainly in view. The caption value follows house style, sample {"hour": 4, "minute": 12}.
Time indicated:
{"hour": 10, "minute": 21}
